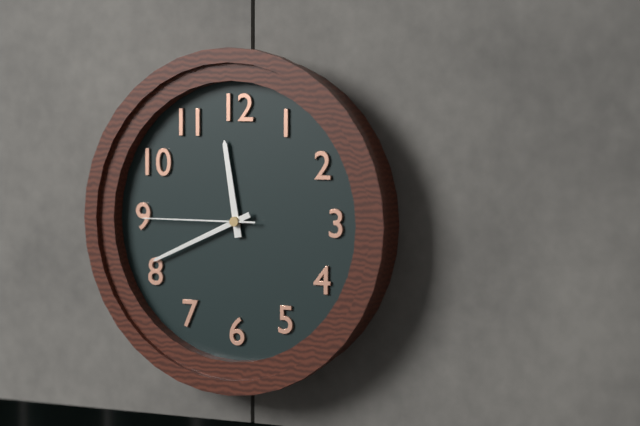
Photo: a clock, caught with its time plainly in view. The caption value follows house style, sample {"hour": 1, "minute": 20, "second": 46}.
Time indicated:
{"hour": 11, "minute": 41, "second": 45}
